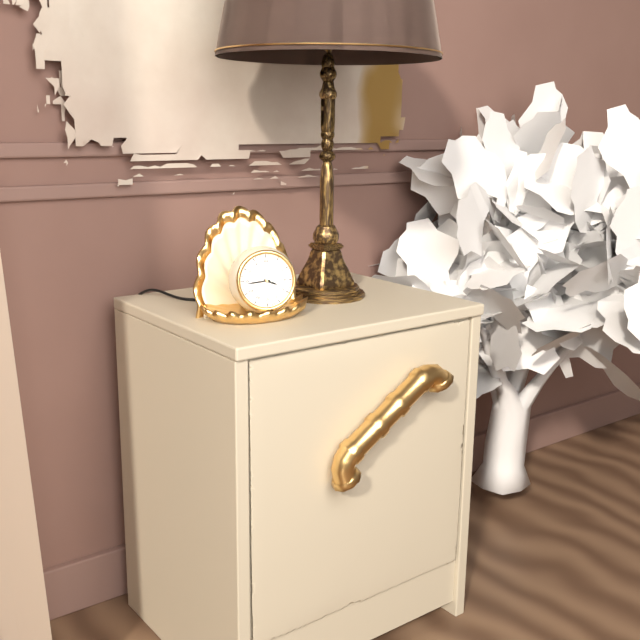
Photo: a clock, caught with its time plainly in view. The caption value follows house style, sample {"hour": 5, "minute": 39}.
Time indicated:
{"hour": 3, "minute": 44}
